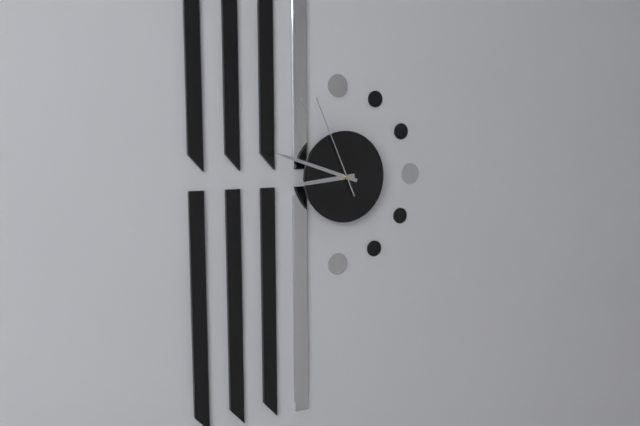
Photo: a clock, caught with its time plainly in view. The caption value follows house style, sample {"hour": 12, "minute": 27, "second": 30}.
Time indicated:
{"hour": 8, "minute": 48, "second": 56}
